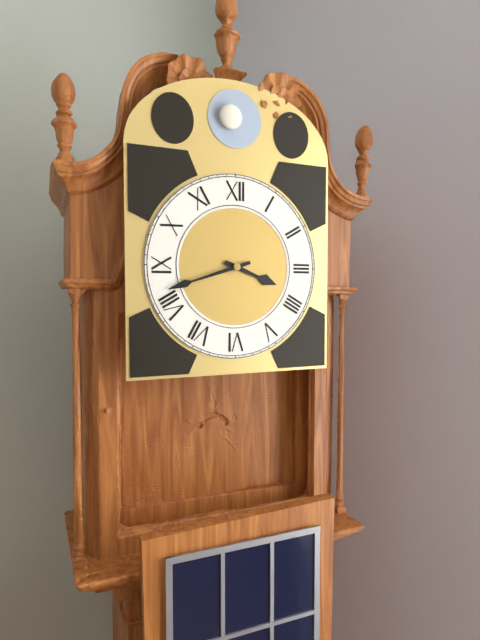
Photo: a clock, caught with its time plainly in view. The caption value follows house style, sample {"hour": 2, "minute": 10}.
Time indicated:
{"hour": 3, "minute": 42}
